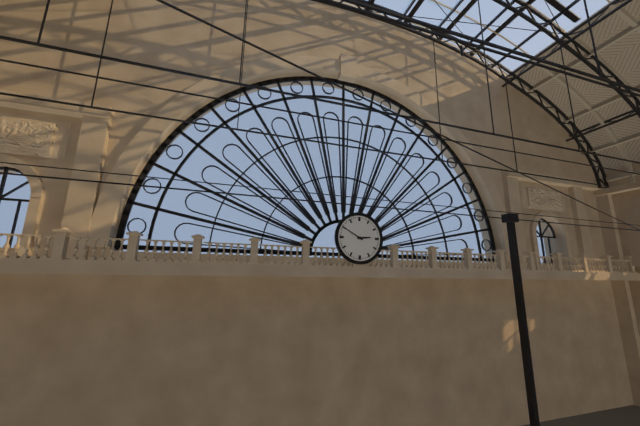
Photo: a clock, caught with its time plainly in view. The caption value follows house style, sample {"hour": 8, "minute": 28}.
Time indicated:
{"hour": 2, "minute": 50}
